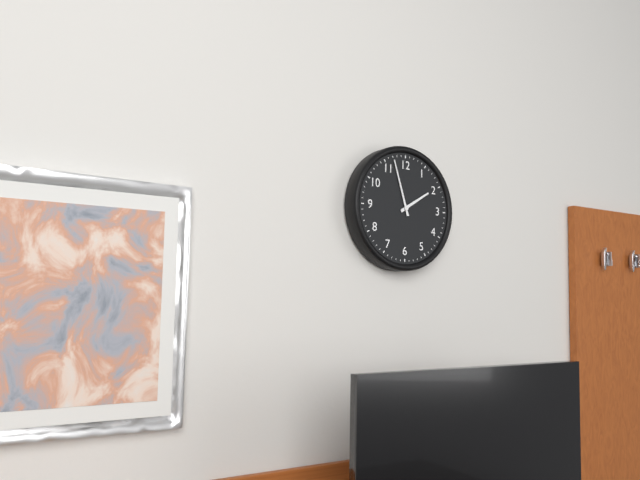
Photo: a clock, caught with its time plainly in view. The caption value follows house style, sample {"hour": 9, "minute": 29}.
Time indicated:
{"hour": 1, "minute": 57}
